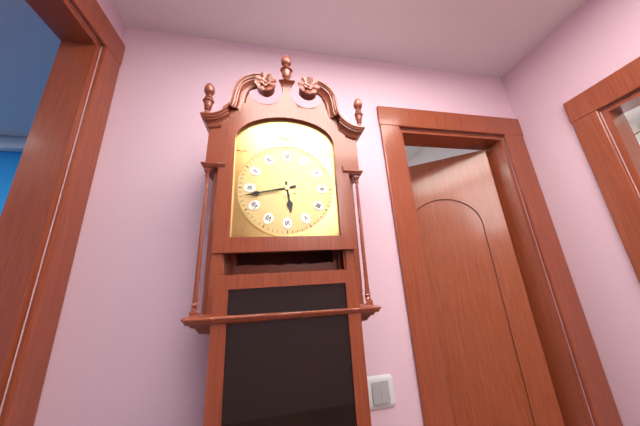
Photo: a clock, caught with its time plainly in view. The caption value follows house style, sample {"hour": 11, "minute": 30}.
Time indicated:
{"hour": 5, "minute": 43}
